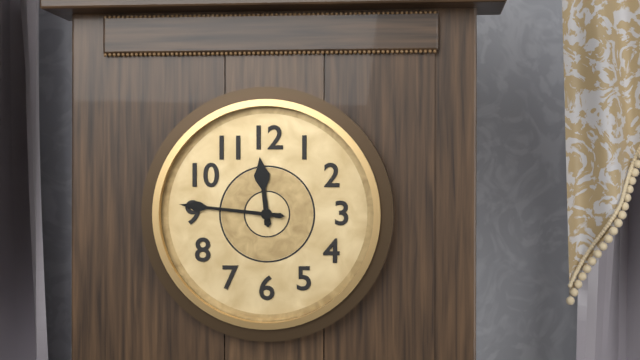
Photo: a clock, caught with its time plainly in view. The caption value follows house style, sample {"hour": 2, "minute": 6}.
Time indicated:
{"hour": 11, "minute": 46}
